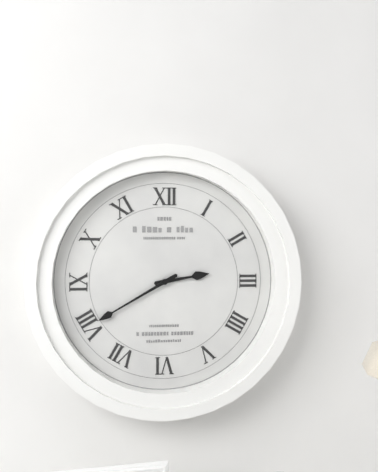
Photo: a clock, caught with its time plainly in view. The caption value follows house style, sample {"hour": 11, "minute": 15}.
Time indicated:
{"hour": 2, "minute": 40}
